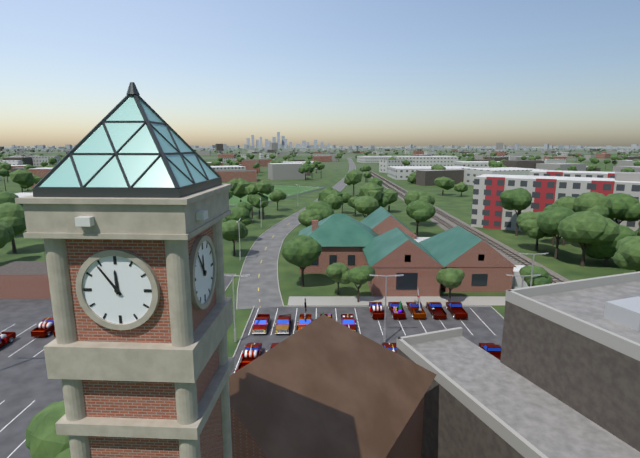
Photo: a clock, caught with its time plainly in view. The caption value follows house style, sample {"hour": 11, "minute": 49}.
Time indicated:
{"hour": 11, "minute": 54}
